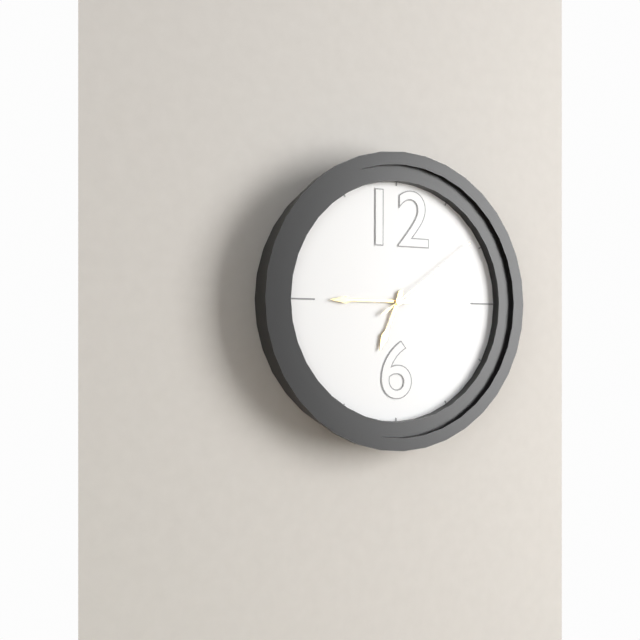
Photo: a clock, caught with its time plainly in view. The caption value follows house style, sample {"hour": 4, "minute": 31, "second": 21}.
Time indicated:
{"hour": 6, "minute": 45, "second": 9}
